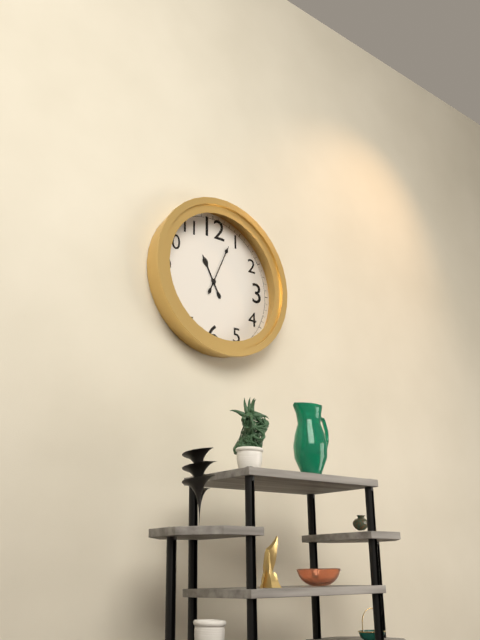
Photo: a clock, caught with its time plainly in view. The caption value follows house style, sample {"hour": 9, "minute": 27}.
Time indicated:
{"hour": 11, "minute": 4}
